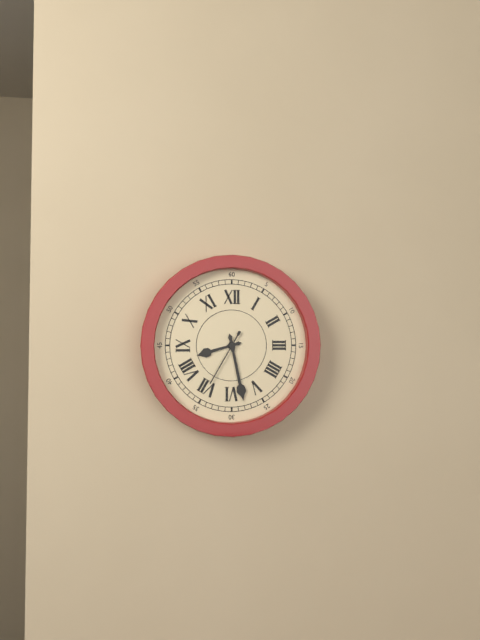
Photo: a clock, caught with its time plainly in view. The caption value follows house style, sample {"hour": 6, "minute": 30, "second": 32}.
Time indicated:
{"hour": 8, "minute": 28, "second": 35}
